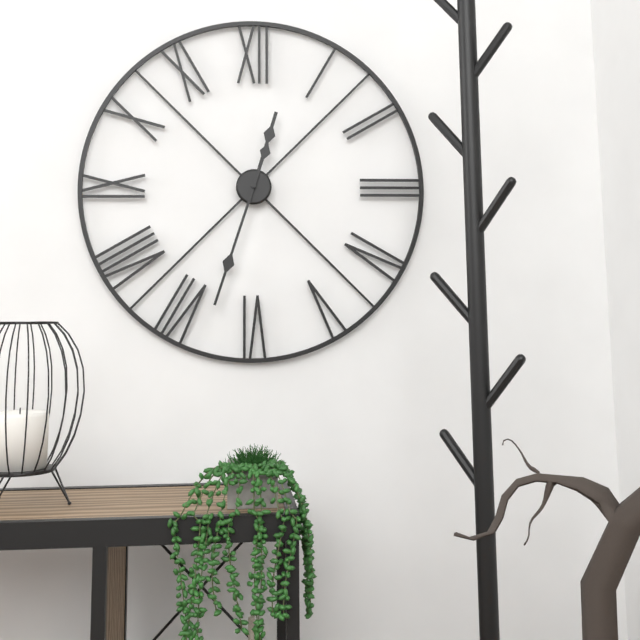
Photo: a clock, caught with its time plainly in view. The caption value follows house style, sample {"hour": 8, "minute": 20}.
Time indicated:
{"hour": 12, "minute": 33}
